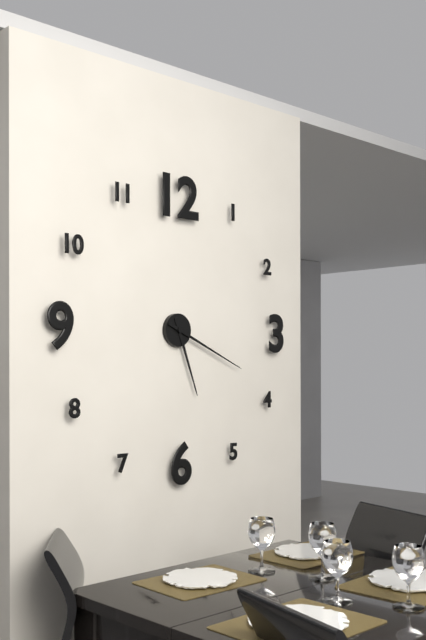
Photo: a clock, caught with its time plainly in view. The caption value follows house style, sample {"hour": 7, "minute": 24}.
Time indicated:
{"hour": 5, "minute": 19}
